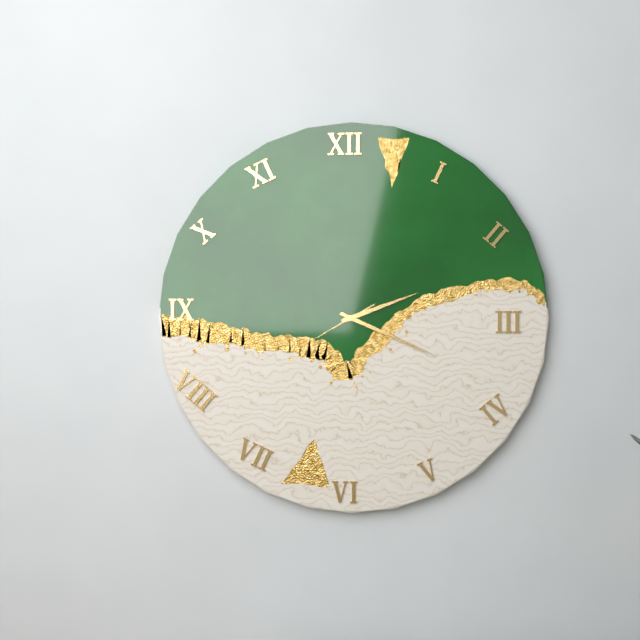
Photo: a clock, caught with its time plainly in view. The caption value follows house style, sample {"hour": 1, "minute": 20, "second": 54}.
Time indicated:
{"hour": 2, "minute": 19, "second": 40}
